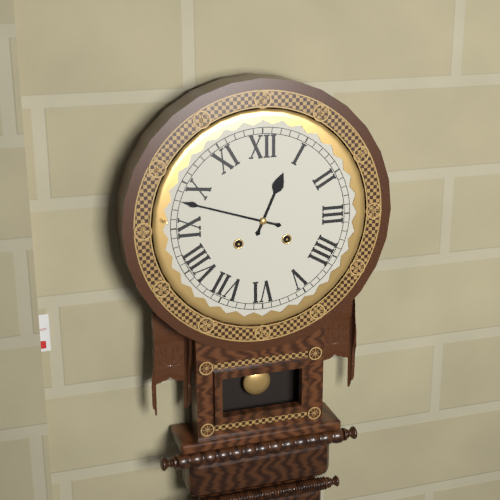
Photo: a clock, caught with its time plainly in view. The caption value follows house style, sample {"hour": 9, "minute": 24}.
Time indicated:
{"hour": 12, "minute": 48}
